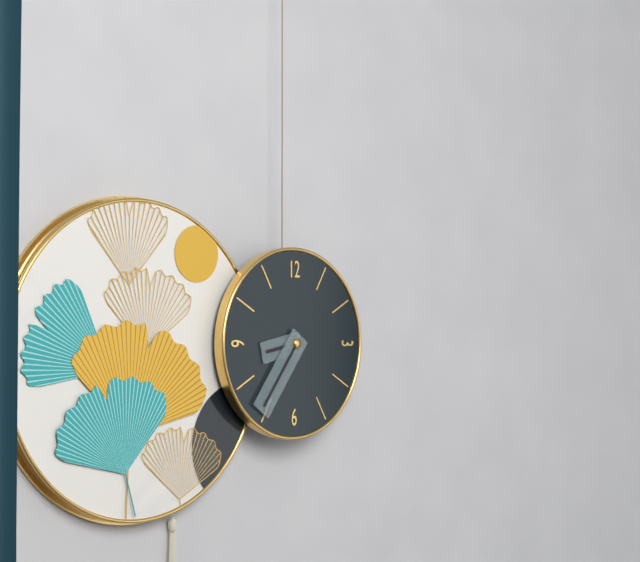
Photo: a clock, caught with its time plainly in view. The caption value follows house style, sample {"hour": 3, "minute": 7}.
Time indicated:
{"hour": 8, "minute": 36}
